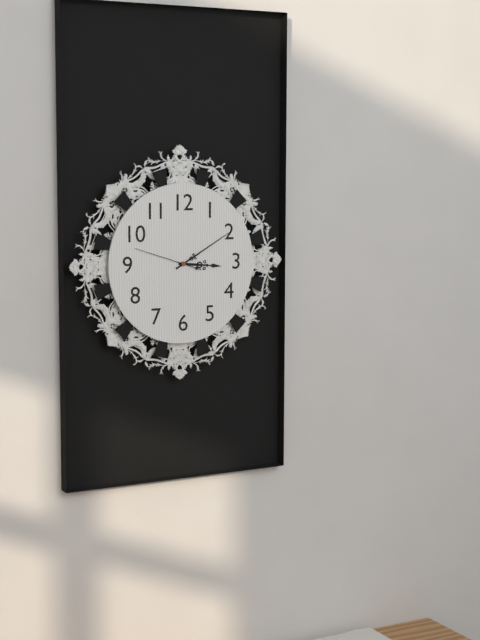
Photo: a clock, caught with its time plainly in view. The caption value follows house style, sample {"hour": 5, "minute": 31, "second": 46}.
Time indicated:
{"hour": 3, "minute": 10, "second": 48}
